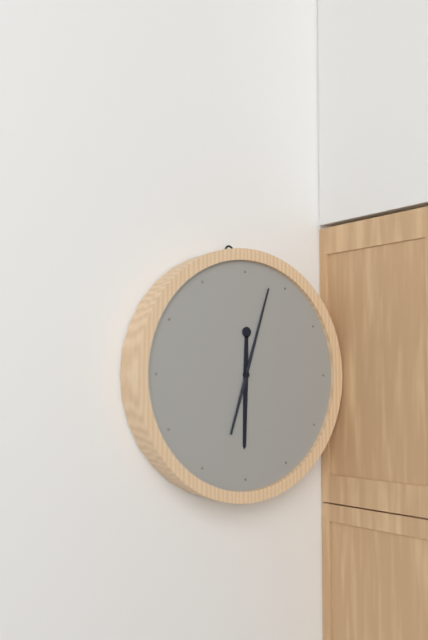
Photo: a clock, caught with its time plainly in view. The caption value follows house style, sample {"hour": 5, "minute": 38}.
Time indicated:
{"hour": 6, "minute": 3}
